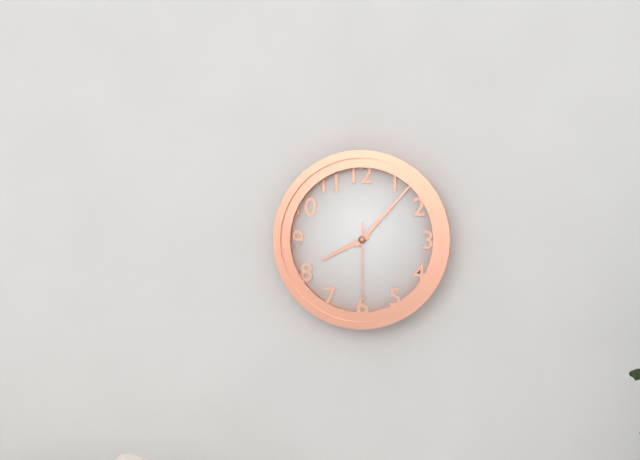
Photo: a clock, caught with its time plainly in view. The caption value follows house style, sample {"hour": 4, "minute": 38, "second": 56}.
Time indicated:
{"hour": 8, "minute": 7, "second": 30}
